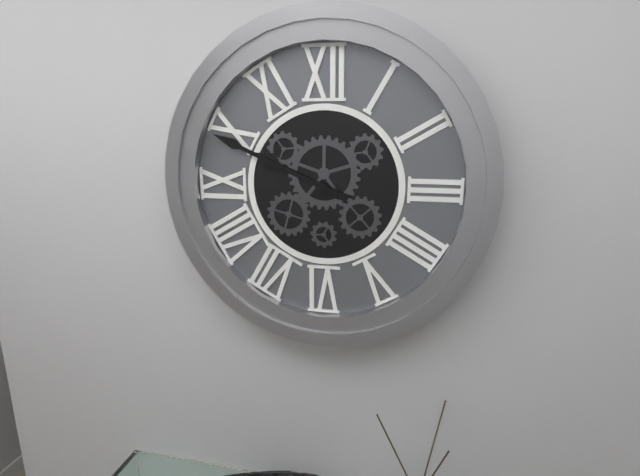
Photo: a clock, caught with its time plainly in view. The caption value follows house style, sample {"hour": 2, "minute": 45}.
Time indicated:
{"hour": 9, "minute": 49}
